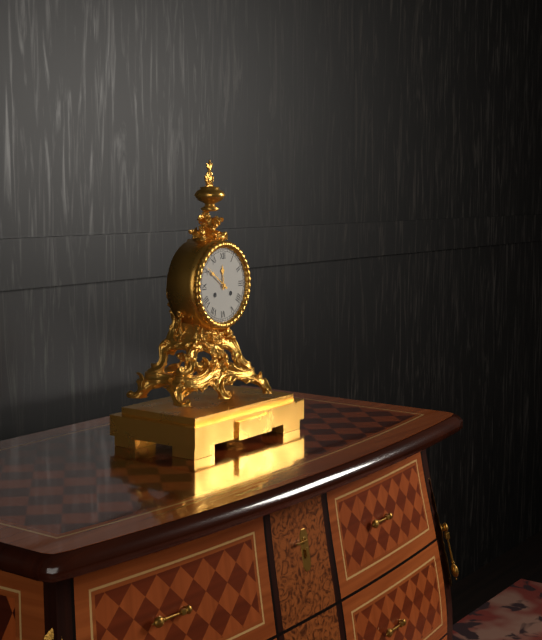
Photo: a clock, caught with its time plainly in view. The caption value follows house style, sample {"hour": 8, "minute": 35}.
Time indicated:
{"hour": 11, "minute": 51}
